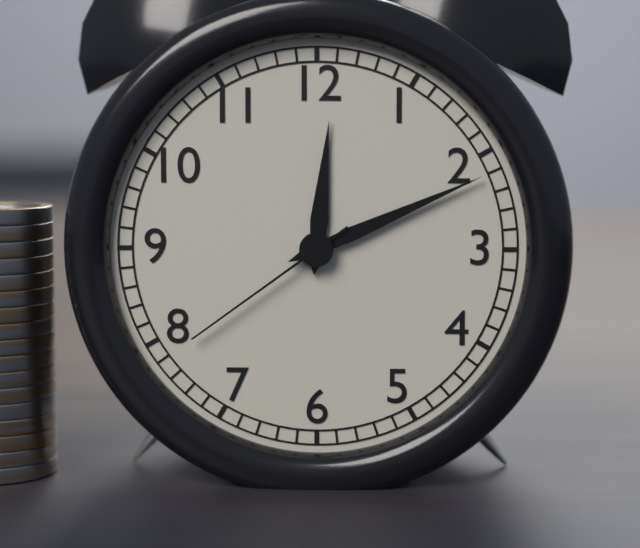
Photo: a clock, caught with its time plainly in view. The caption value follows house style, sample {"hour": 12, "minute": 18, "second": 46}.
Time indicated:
{"hour": 12, "minute": 11, "second": 39}
